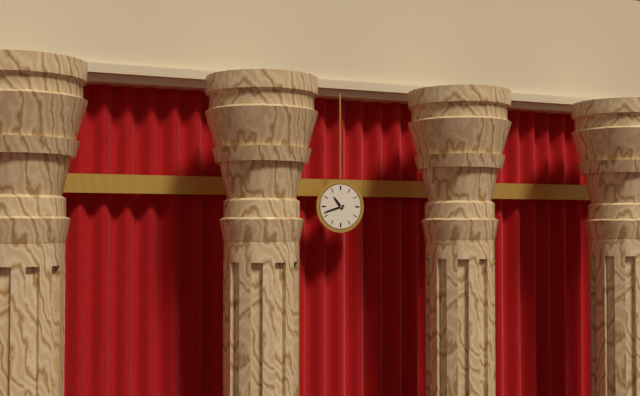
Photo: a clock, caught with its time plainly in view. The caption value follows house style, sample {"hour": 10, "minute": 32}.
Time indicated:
{"hour": 10, "minute": 42}
